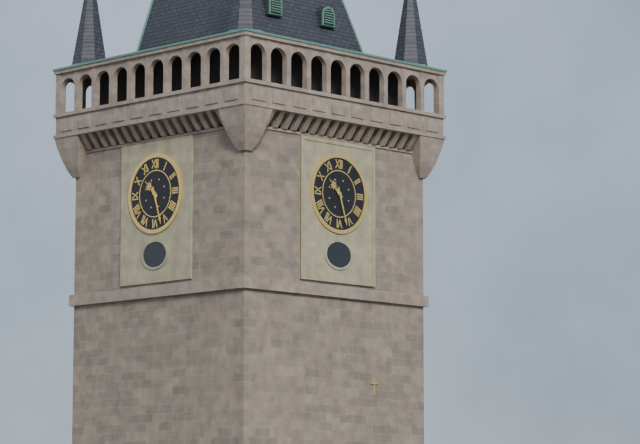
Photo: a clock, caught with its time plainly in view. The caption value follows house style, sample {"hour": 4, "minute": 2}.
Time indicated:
{"hour": 10, "minute": 27}
